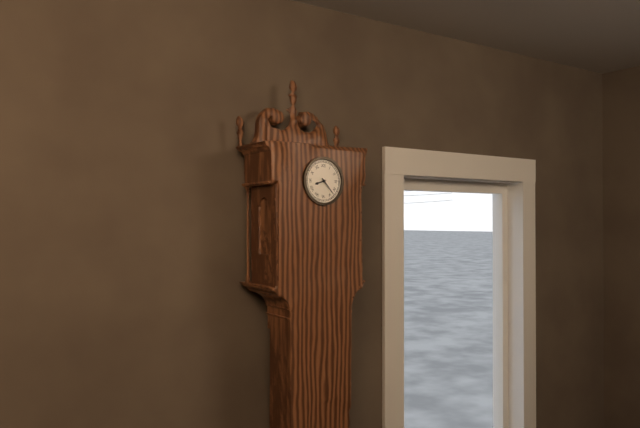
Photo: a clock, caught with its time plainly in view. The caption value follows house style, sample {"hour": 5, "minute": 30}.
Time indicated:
{"hour": 8, "minute": 23}
